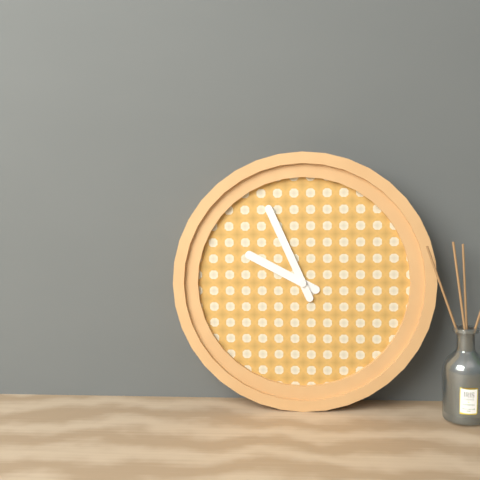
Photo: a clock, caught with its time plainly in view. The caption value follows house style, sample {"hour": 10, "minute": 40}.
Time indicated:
{"hour": 9, "minute": 56}
